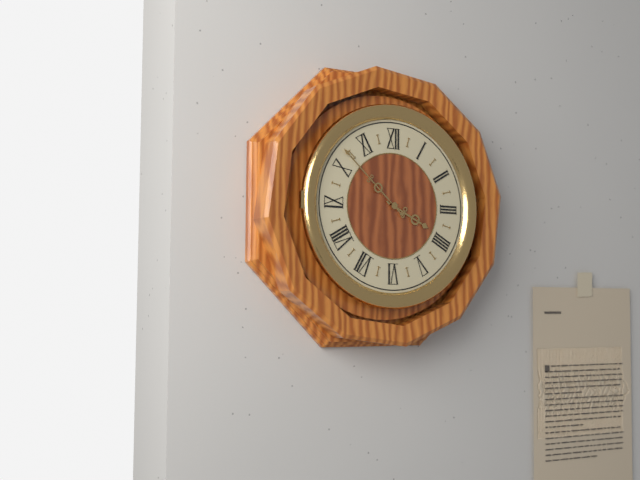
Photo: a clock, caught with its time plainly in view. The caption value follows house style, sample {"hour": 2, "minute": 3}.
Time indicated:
{"hour": 3, "minute": 52}
